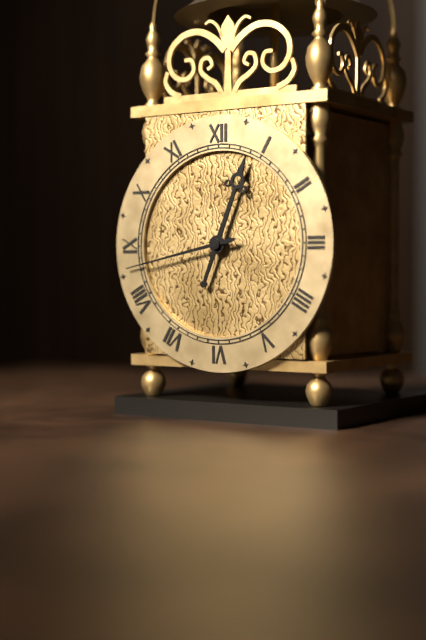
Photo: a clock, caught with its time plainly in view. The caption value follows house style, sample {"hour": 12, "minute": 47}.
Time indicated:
{"hour": 12, "minute": 43}
